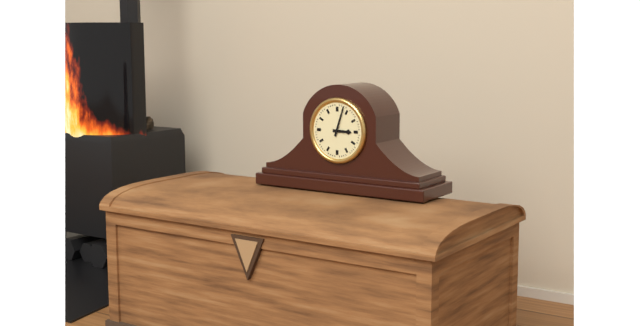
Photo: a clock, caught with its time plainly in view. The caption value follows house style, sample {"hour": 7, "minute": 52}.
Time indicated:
{"hour": 3, "minute": 3}
